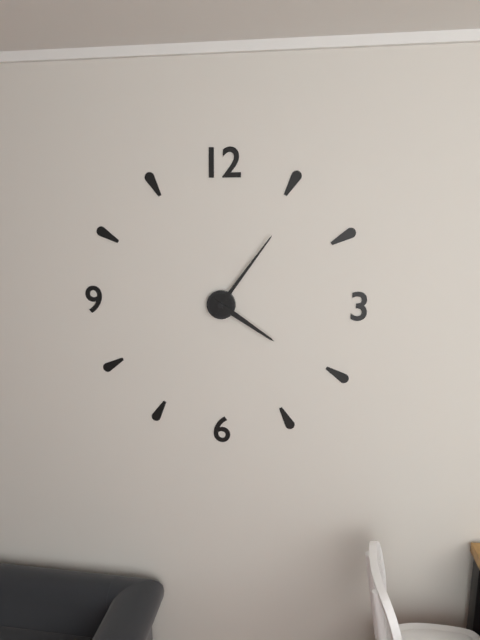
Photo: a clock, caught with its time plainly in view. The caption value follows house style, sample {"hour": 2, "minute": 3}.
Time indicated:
{"hour": 4, "minute": 6}
